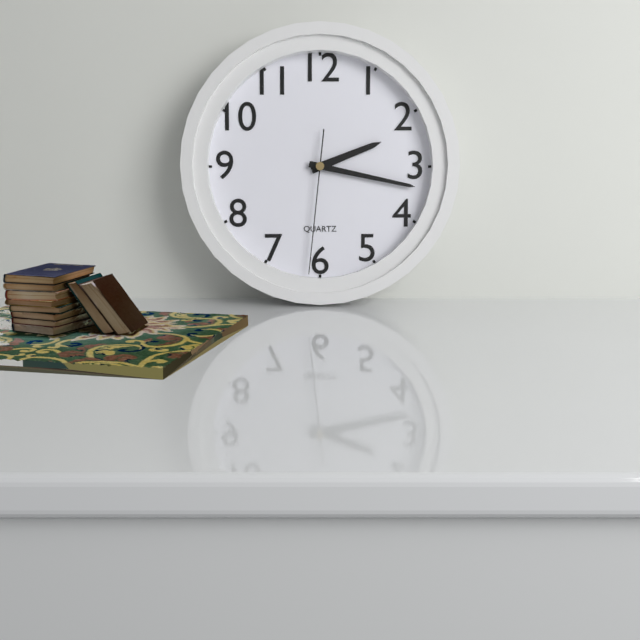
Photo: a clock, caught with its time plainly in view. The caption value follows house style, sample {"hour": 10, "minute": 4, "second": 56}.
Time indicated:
{"hour": 2, "minute": 17, "second": 31}
